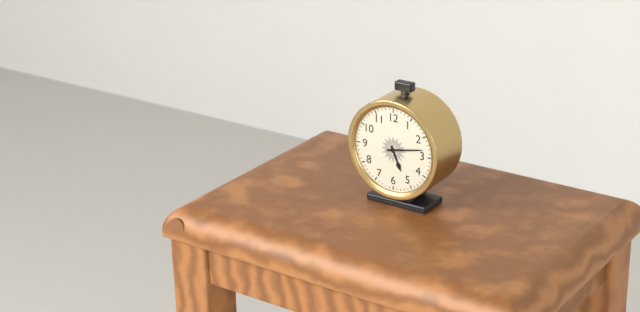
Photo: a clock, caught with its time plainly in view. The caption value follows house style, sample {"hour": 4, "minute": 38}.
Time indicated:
{"hour": 5, "minute": 13}
